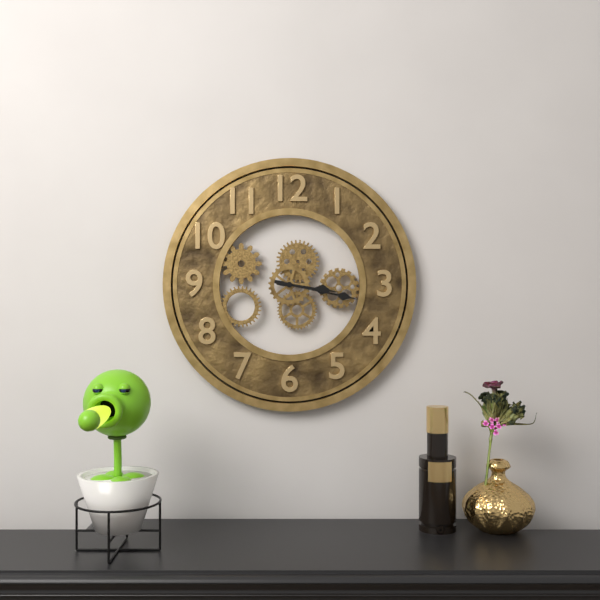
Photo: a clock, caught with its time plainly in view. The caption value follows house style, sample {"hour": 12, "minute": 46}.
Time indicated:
{"hour": 3, "minute": 17}
